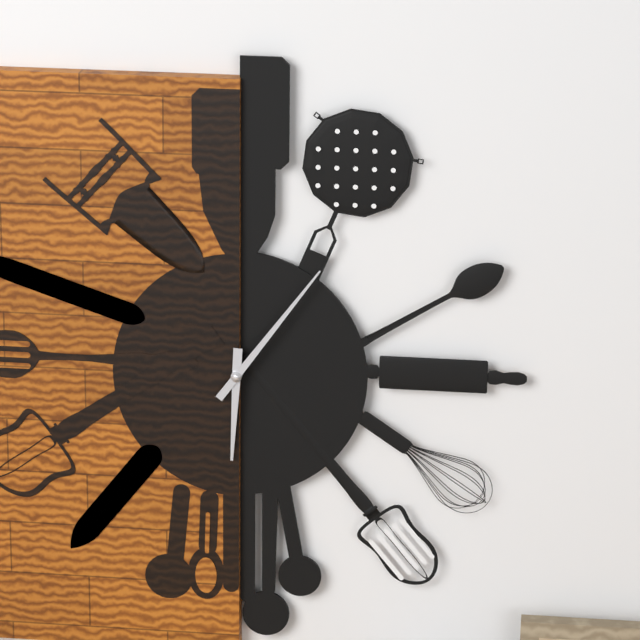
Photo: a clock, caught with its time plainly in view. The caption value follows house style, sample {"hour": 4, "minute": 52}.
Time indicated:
{"hour": 6, "minute": 6}
